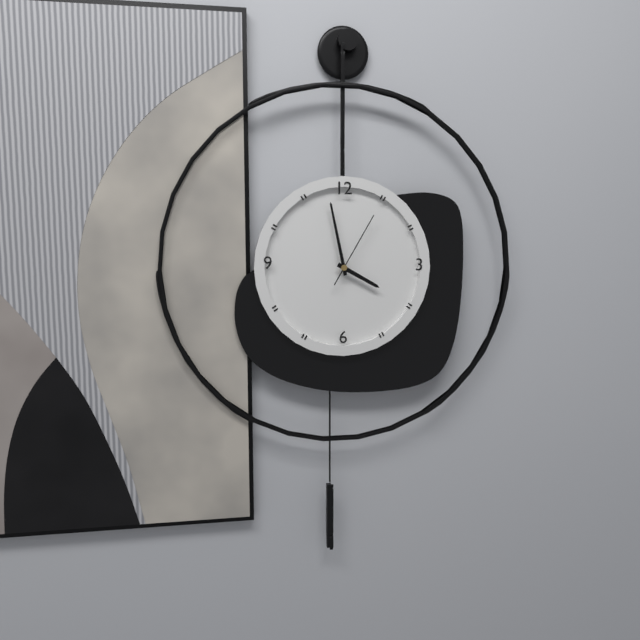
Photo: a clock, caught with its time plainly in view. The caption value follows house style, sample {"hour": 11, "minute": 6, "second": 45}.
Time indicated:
{"hour": 3, "minute": 58, "second": 5}
